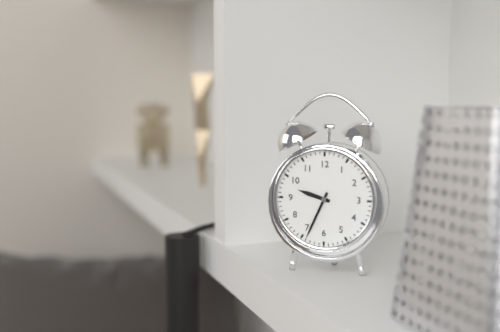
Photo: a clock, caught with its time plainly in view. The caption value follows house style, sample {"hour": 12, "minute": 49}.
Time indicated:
{"hour": 9, "minute": 34}
